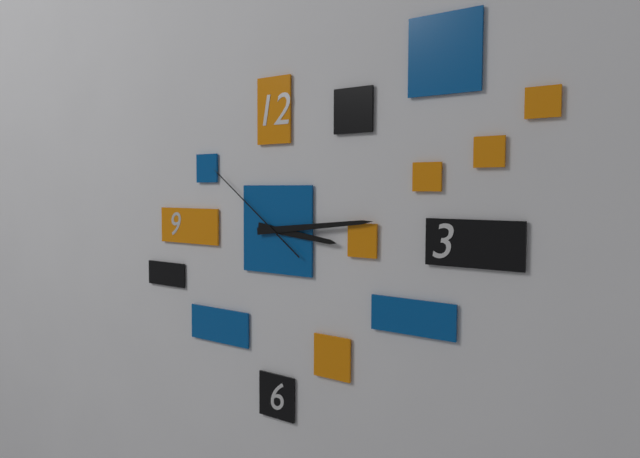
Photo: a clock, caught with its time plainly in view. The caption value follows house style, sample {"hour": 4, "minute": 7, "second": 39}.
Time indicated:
{"hour": 3, "minute": 14, "second": 51}
